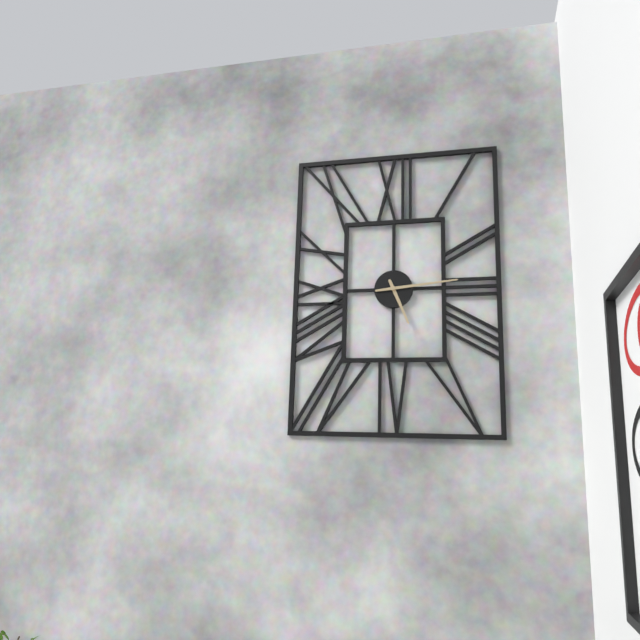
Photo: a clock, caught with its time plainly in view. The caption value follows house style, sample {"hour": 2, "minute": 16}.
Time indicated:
{"hour": 5, "minute": 14}
